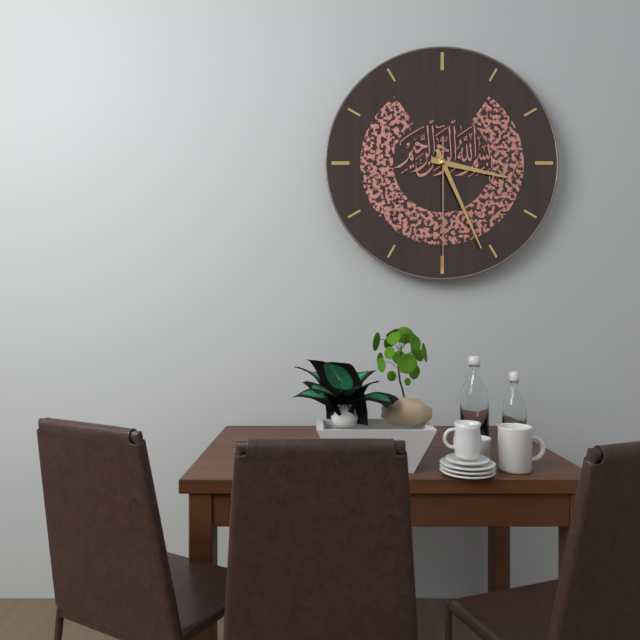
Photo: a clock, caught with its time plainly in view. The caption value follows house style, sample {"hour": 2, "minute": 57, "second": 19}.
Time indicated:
{"hour": 3, "minute": 26, "second": 30}
